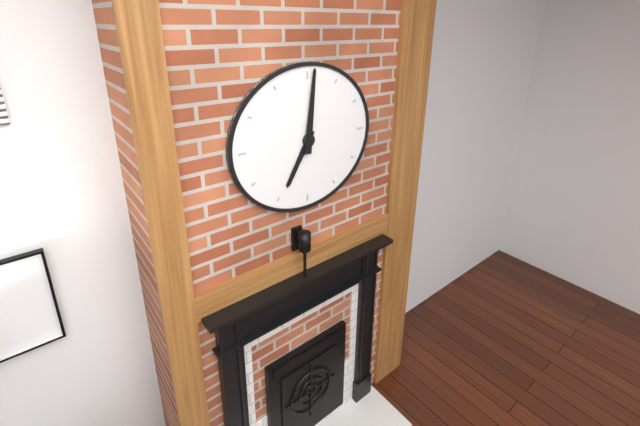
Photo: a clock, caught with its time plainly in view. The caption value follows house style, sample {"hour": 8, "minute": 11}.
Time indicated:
{"hour": 7, "minute": 1}
